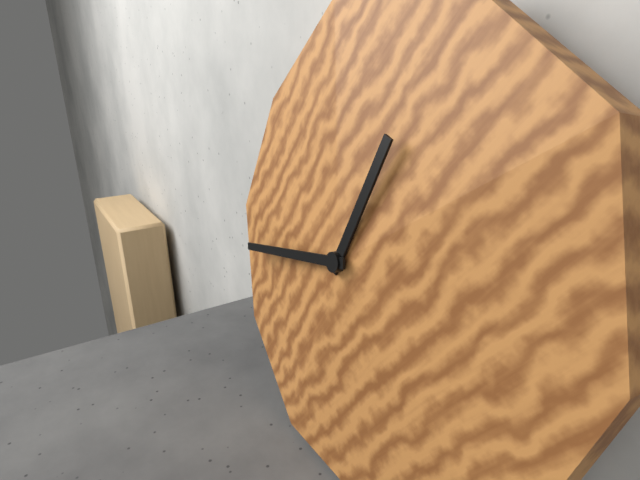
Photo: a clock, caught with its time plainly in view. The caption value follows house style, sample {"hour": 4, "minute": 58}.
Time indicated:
{"hour": 12, "minute": 43}
